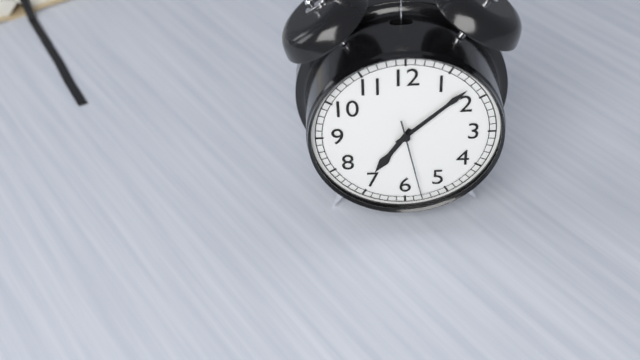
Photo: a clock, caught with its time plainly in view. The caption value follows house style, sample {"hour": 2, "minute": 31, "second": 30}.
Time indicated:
{"hour": 7, "minute": 8, "second": 28}
